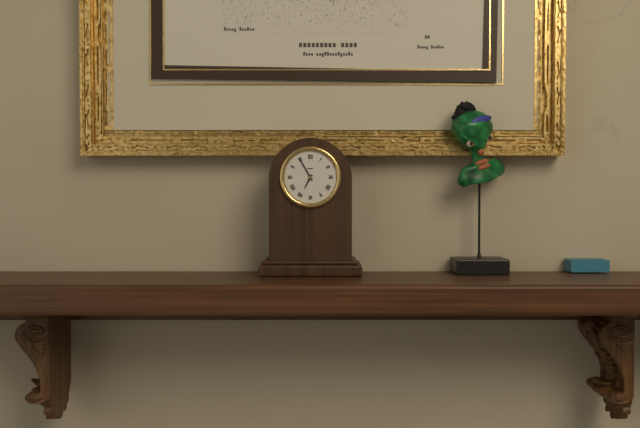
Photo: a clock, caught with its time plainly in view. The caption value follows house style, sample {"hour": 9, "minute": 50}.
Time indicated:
{"hour": 6, "minute": 55}
